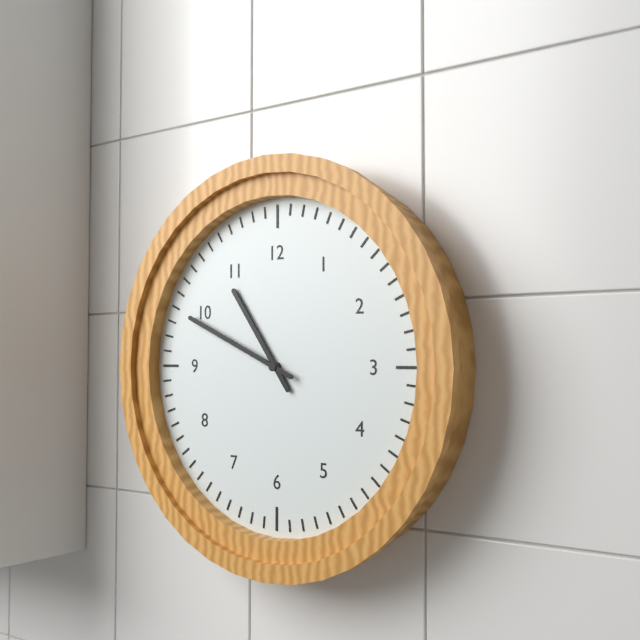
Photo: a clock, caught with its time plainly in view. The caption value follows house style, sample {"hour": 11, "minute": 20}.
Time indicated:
{"hour": 10, "minute": 49}
